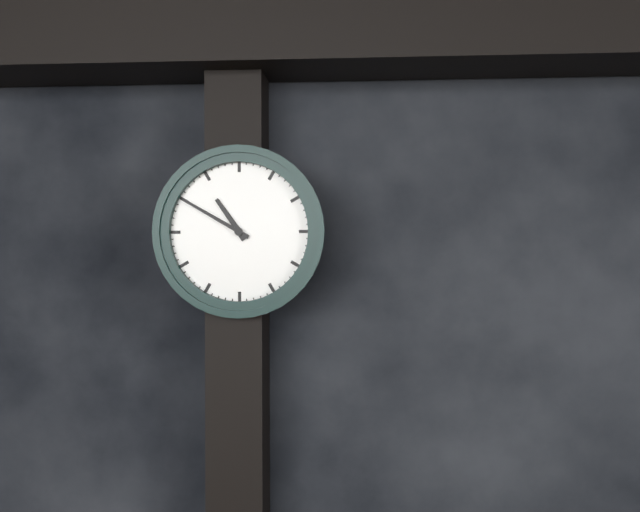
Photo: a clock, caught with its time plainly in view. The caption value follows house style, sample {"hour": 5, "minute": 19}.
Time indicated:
{"hour": 10, "minute": 50}
